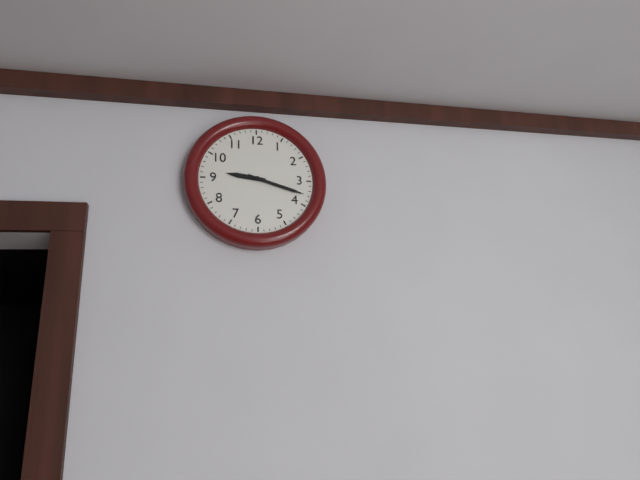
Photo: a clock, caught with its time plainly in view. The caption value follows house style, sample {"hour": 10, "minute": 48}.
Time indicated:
{"hour": 9, "minute": 18}
